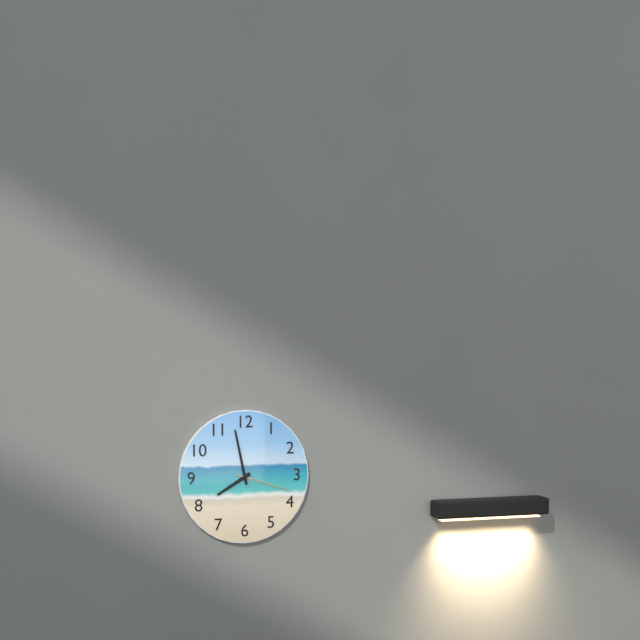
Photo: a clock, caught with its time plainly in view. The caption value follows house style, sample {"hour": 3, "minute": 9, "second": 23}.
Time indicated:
{"hour": 7, "minute": 58, "second": 18}
